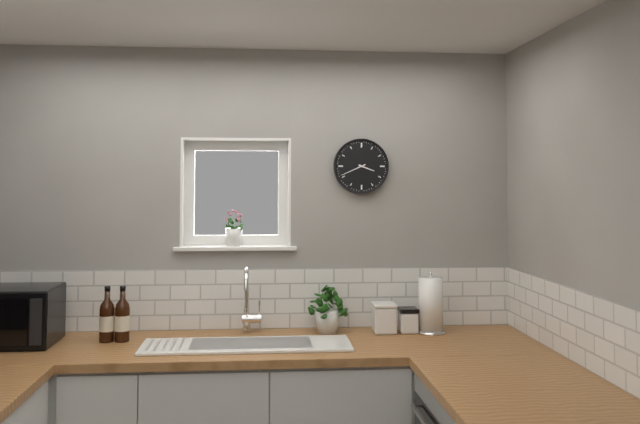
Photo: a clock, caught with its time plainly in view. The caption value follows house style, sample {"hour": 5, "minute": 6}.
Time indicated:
{"hour": 3, "minute": 41}
